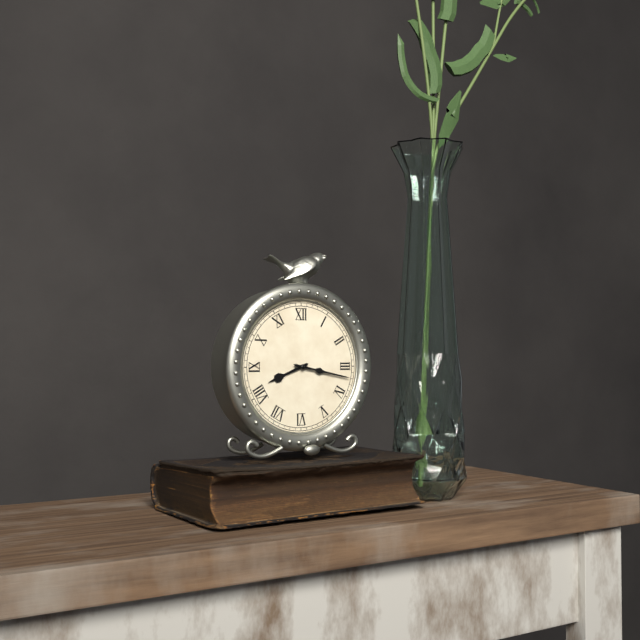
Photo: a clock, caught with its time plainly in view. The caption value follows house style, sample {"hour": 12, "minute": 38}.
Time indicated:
{"hour": 8, "minute": 17}
